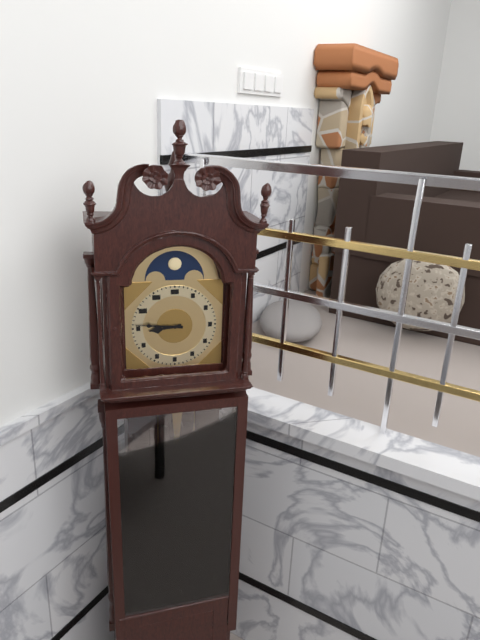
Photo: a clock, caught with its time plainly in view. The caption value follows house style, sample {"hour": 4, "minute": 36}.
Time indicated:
{"hour": 8, "minute": 46}
